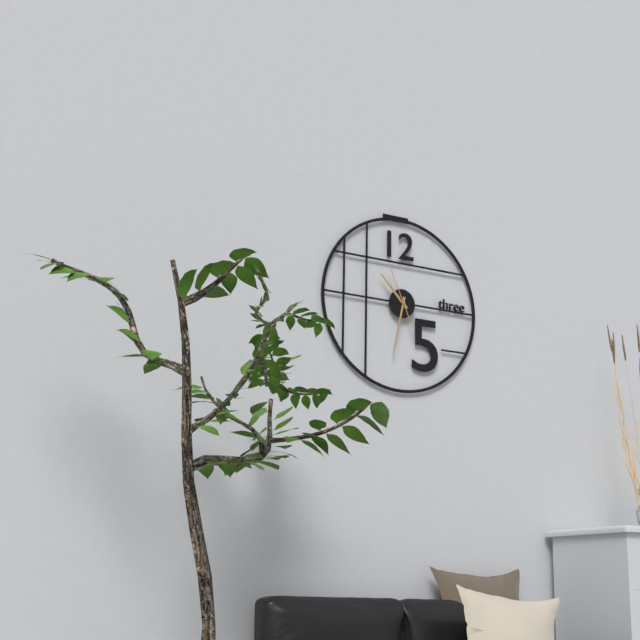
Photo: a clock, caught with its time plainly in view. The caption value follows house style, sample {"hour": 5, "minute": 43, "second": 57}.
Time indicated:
{"hour": 10, "minute": 32, "second": 56}
